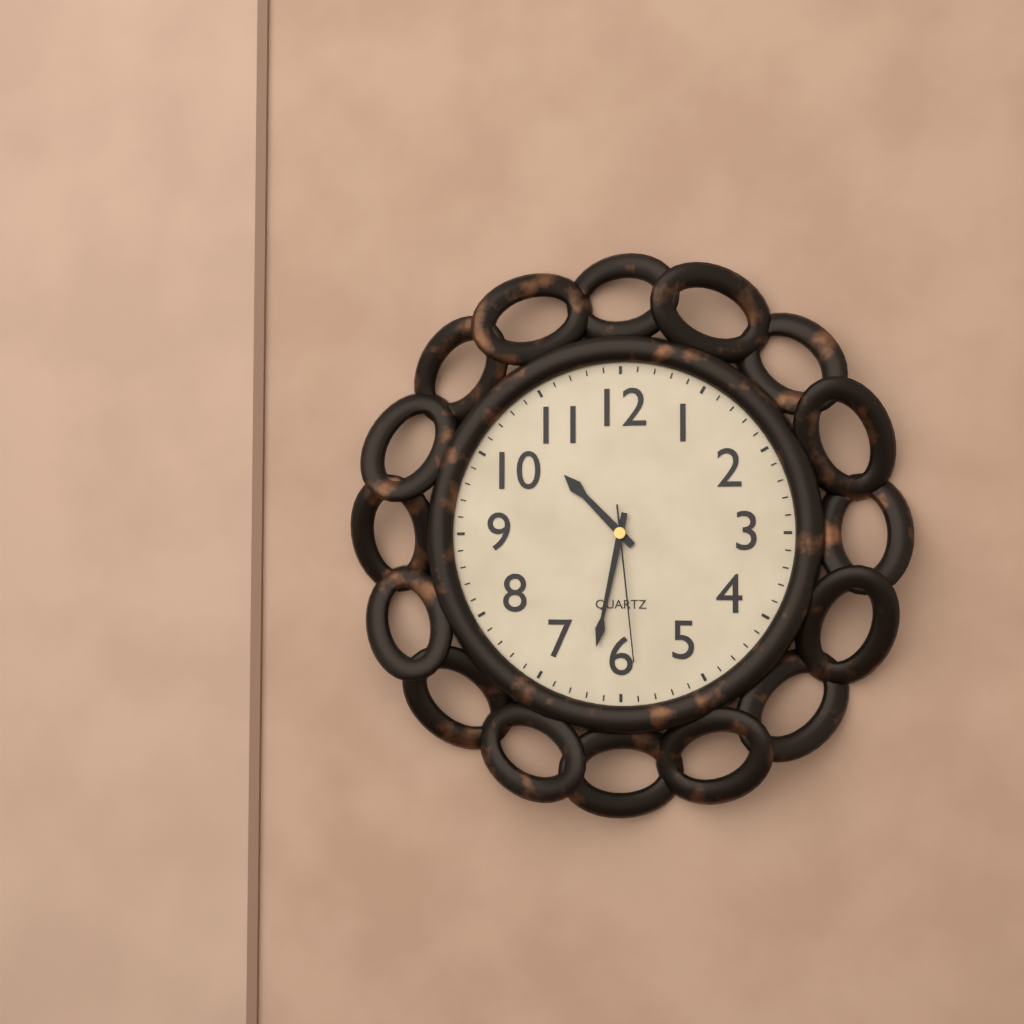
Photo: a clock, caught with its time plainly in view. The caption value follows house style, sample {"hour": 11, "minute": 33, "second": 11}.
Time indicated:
{"hour": 10, "minute": 32, "second": 29}
